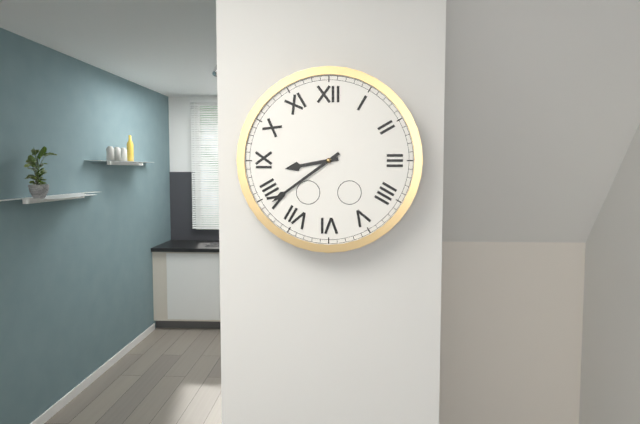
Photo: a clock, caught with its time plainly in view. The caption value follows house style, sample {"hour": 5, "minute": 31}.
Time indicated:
{"hour": 8, "minute": 39}
